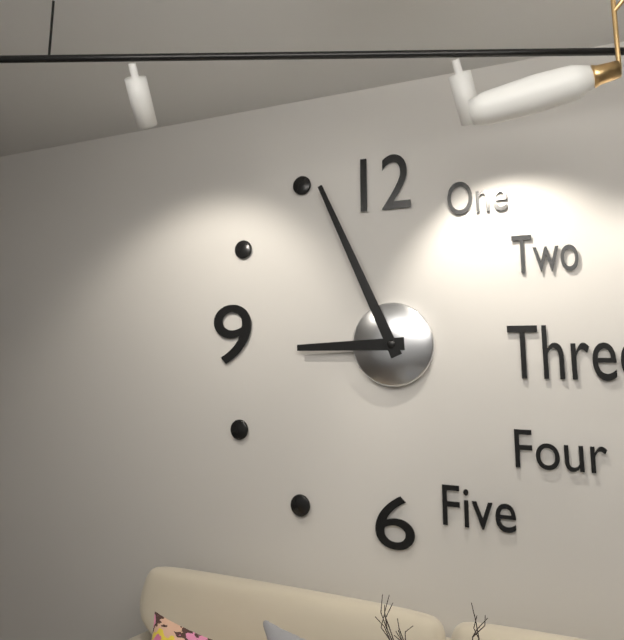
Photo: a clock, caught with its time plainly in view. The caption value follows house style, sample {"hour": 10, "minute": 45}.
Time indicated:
{"hour": 8, "minute": 56}
